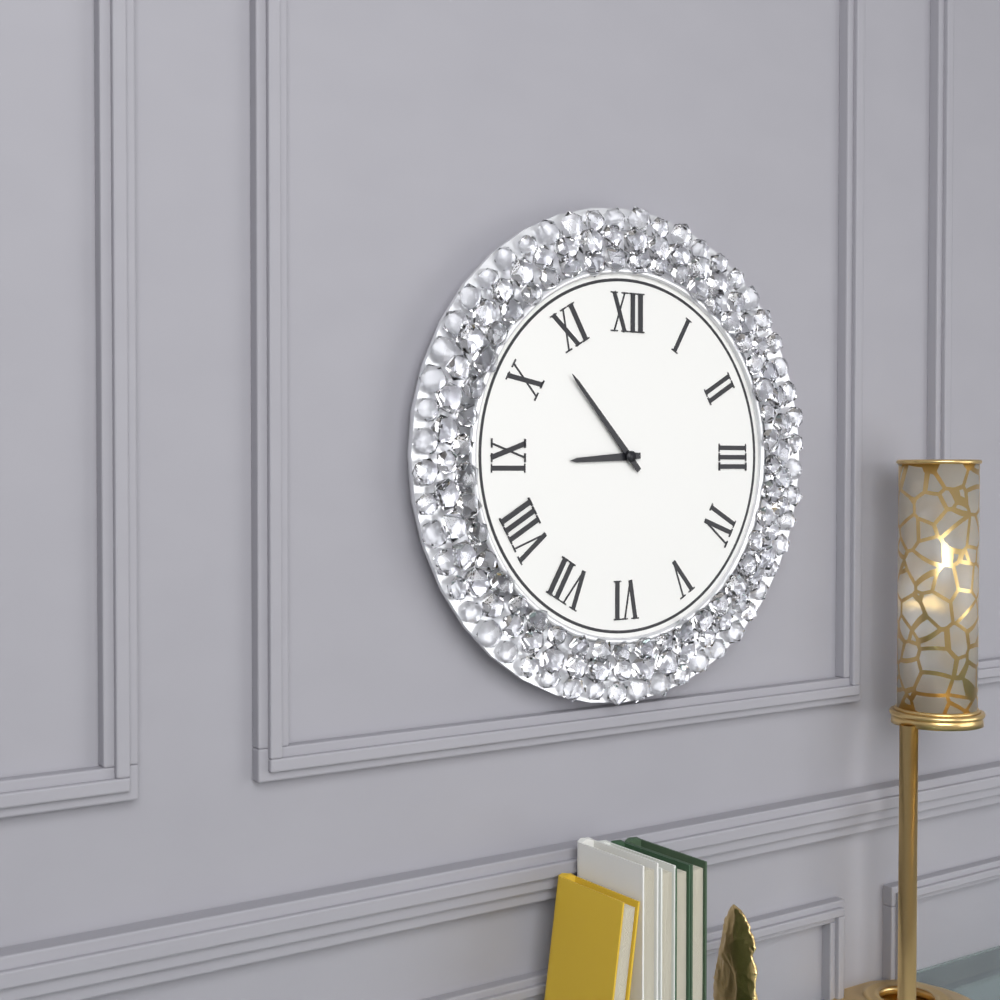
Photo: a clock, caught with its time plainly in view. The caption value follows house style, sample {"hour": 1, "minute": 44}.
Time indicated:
{"hour": 8, "minute": 53}
